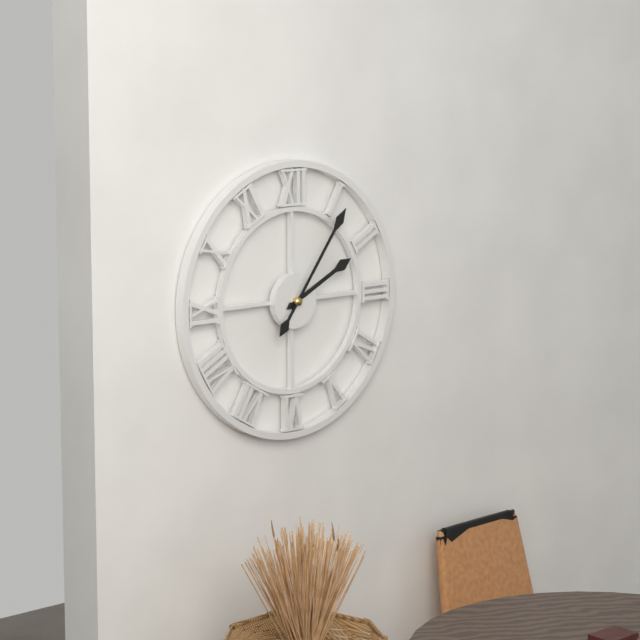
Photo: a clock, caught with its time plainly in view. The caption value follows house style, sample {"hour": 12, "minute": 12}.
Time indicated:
{"hour": 2, "minute": 6}
